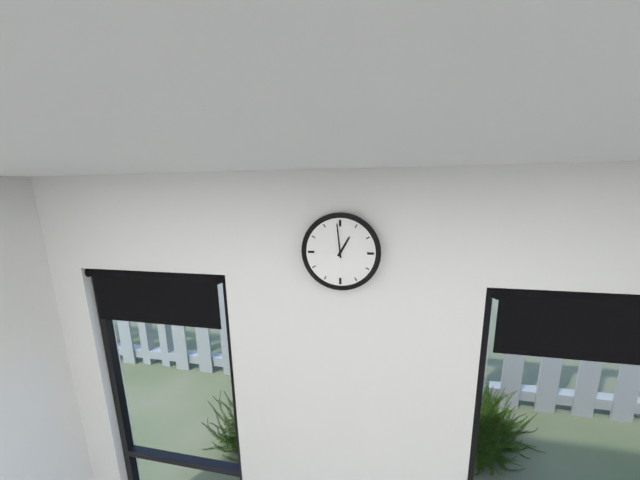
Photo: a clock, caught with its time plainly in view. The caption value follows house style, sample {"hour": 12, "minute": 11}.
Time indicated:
{"hour": 12, "minute": 59}
